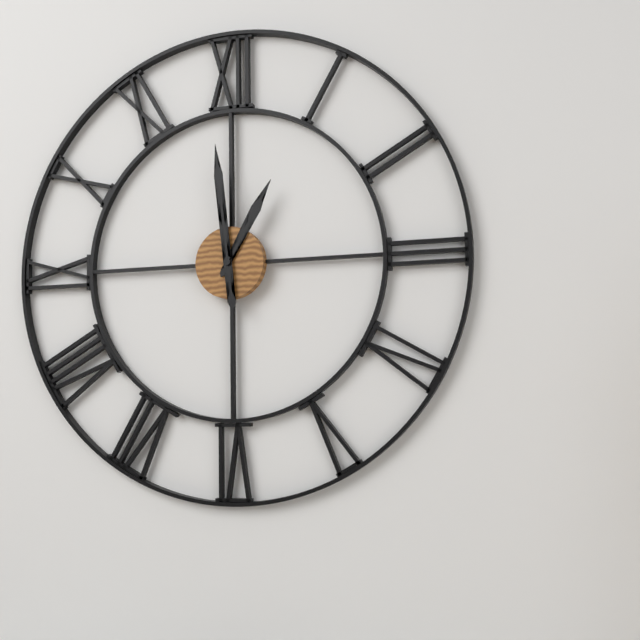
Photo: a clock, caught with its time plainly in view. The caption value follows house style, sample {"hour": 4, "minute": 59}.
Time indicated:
{"hour": 12, "minute": 59}
